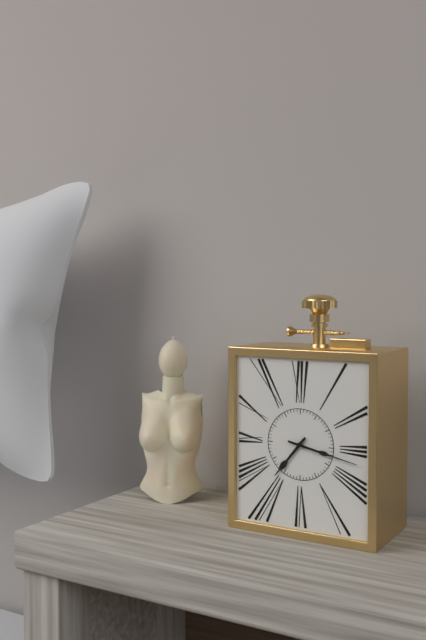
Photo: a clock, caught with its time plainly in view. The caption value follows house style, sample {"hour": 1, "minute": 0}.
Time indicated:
{"hour": 7, "minute": 17}
